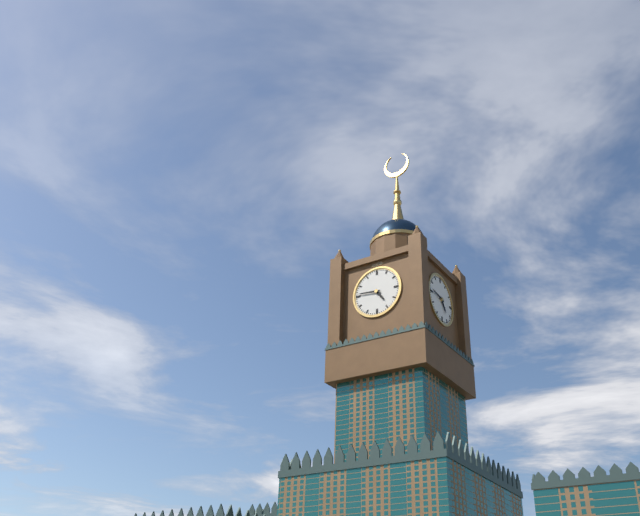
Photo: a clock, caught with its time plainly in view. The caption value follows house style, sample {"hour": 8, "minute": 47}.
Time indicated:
{"hour": 4, "minute": 46}
